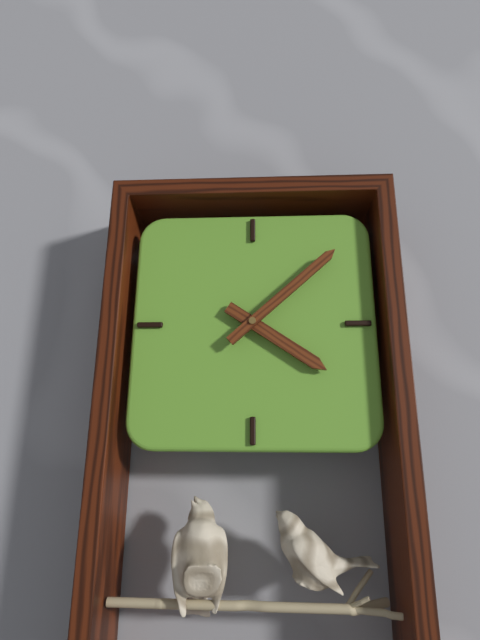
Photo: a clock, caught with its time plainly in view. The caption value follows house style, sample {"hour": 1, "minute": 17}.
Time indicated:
{"hour": 4, "minute": 8}
